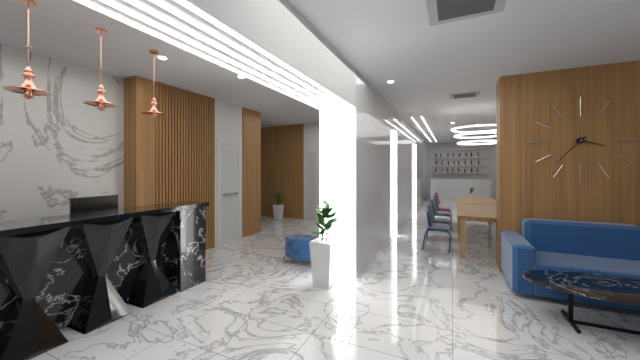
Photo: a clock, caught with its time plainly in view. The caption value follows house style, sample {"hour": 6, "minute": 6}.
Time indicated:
{"hour": 3, "minute": 37}
